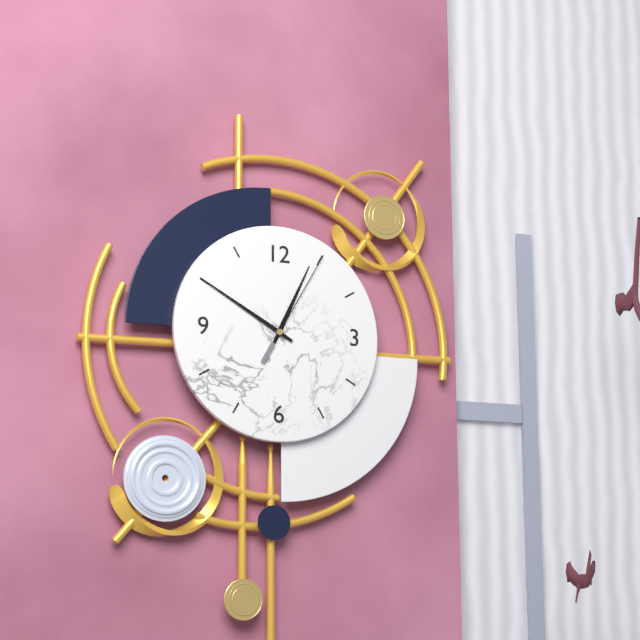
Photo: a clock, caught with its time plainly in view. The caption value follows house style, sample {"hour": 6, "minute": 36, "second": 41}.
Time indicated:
{"hour": 12, "minute": 50, "second": 5}
